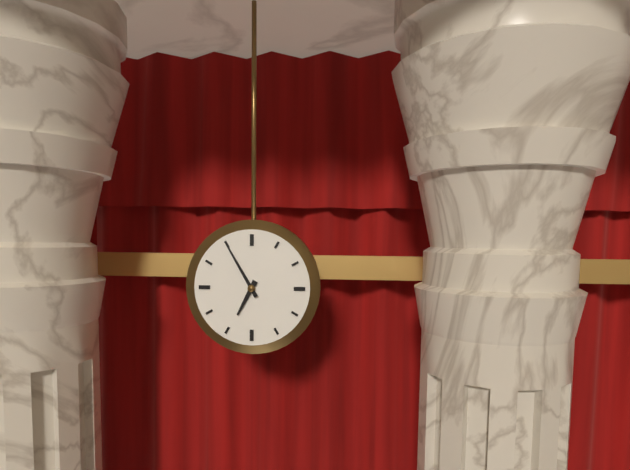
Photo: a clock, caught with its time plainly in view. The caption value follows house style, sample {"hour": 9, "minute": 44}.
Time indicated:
{"hour": 6, "minute": 55}
